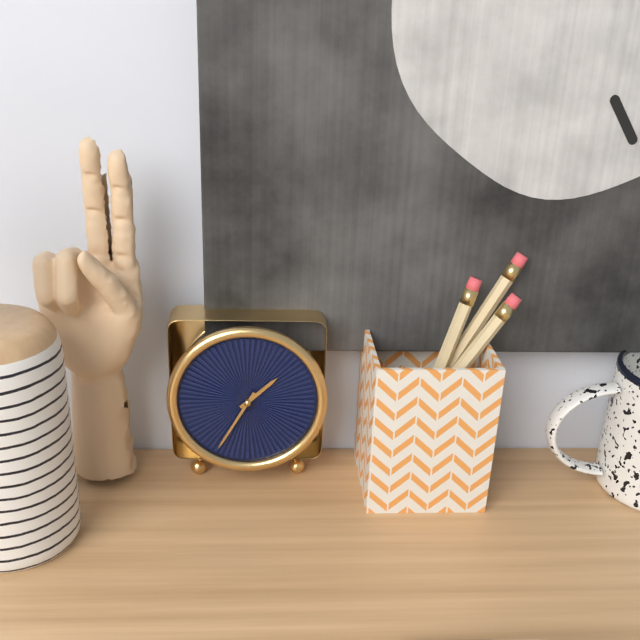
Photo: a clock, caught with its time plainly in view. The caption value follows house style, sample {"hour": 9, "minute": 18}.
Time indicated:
{"hour": 1, "minute": 35}
